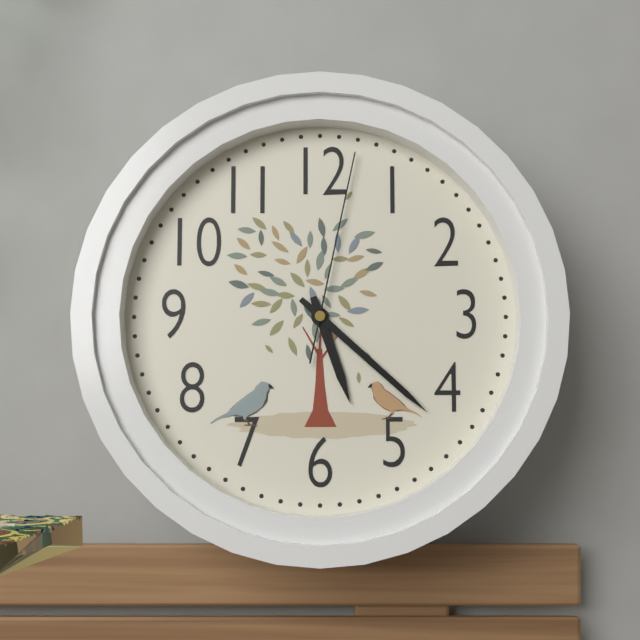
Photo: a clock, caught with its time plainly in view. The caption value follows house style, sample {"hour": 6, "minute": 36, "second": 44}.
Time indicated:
{"hour": 5, "minute": 22, "second": 2}
